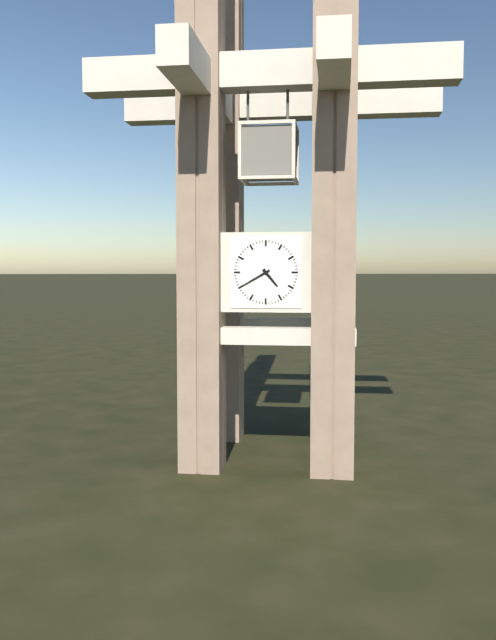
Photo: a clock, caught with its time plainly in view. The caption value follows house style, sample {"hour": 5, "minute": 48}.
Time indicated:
{"hour": 4, "minute": 40}
